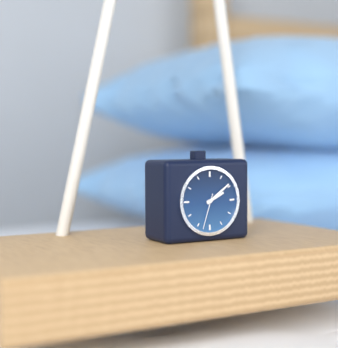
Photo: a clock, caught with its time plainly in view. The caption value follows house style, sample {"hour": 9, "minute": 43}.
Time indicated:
{"hour": 2, "minute": 9}
